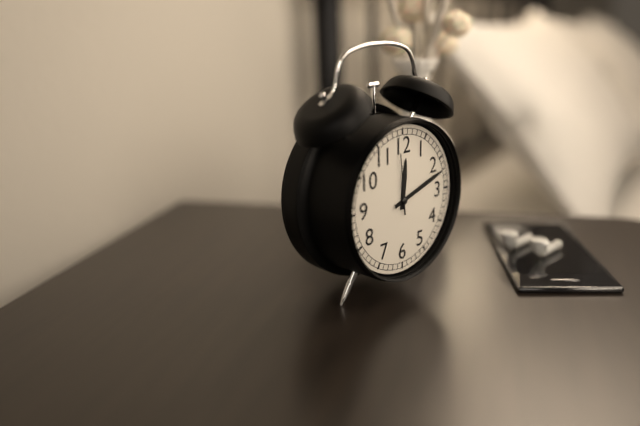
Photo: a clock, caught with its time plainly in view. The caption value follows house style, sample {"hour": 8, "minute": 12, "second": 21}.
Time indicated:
{"hour": 12, "minute": 12, "second": 59}
